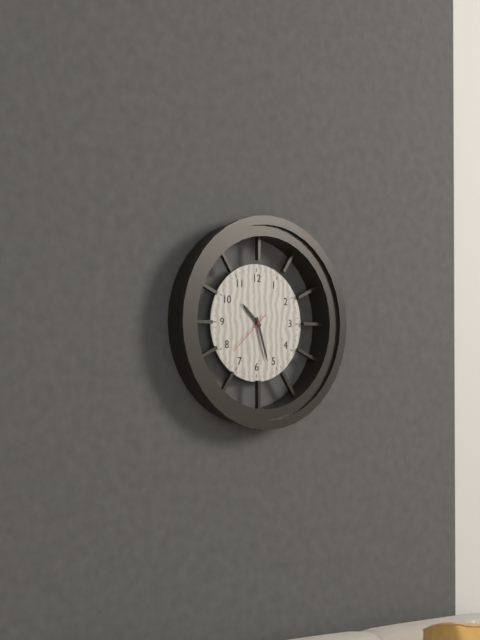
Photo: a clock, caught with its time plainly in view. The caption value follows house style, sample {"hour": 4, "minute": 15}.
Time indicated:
{"hour": 10, "minute": 27}
